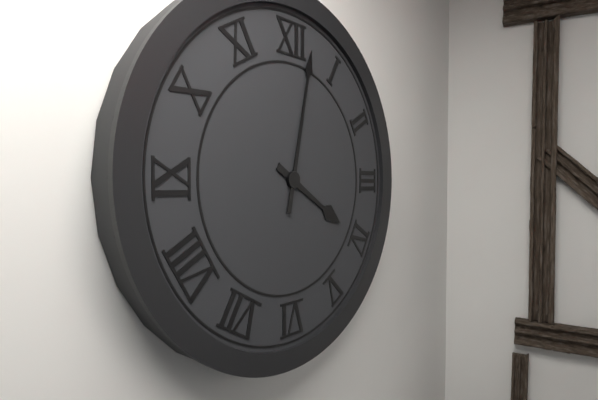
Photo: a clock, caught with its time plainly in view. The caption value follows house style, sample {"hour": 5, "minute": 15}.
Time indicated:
{"hour": 4, "minute": 2}
